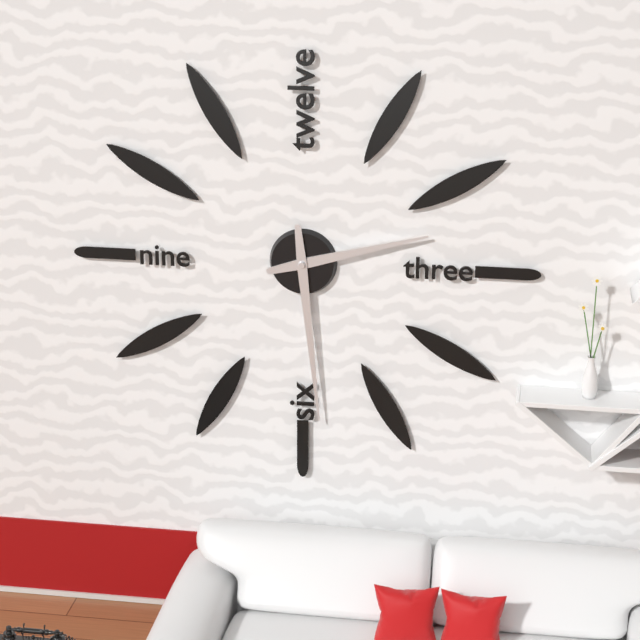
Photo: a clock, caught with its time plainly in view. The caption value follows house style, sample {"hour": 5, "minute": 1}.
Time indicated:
{"hour": 2, "minute": 29}
